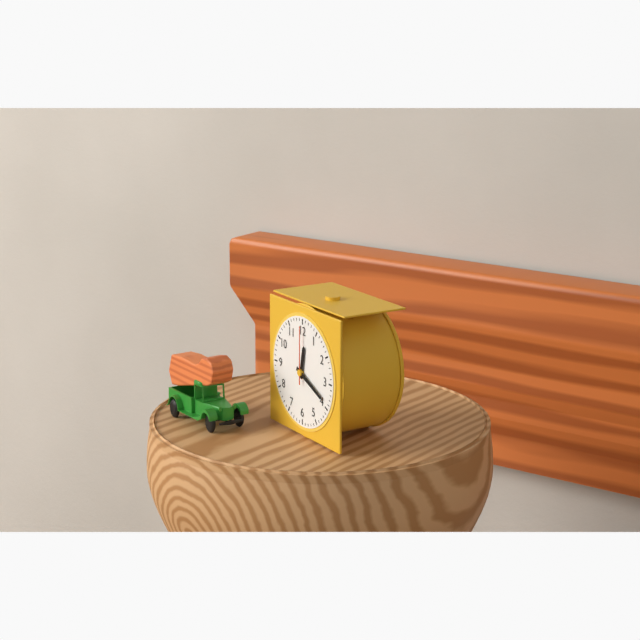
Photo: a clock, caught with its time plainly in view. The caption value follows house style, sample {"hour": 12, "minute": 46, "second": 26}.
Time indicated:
{"hour": 12, "minute": 19, "second": 0}
